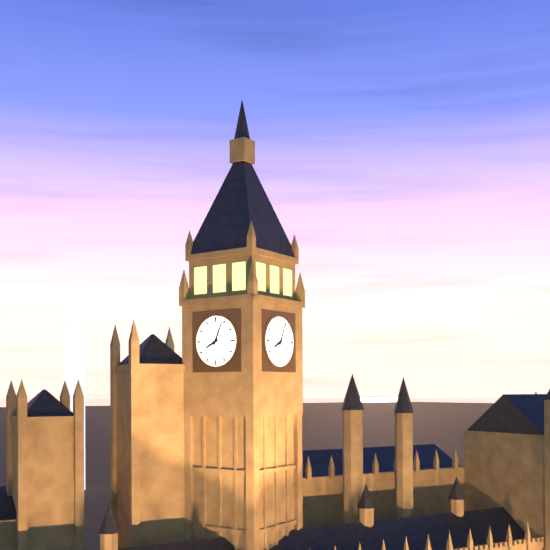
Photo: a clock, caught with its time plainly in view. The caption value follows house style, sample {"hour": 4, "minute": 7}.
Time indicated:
{"hour": 8, "minute": 4}
